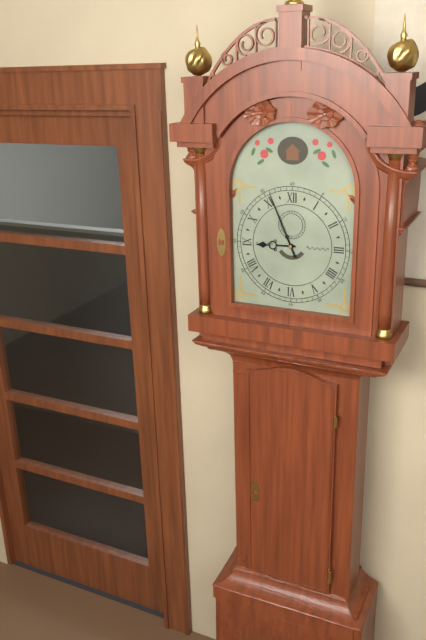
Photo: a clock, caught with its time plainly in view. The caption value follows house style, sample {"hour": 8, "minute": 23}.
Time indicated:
{"hour": 8, "minute": 56}
